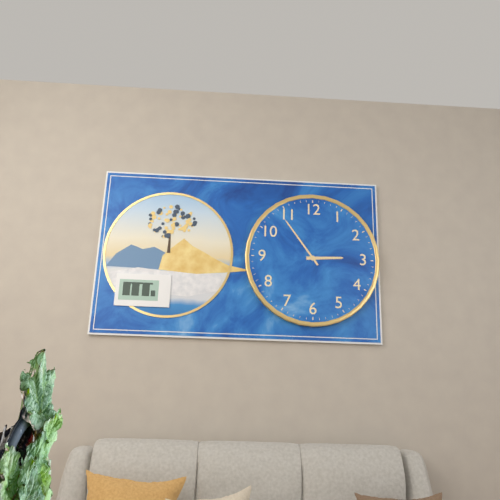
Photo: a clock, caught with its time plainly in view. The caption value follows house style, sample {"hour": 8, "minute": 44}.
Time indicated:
{"hour": 2, "minute": 54}
